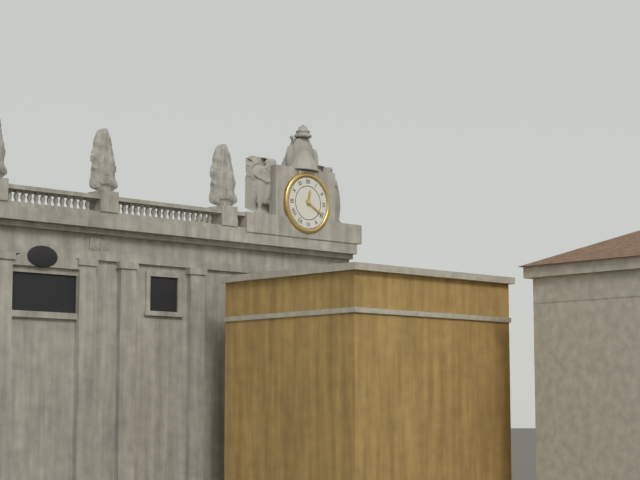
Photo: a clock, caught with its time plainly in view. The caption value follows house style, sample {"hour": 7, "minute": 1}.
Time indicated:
{"hour": 12, "minute": 20}
